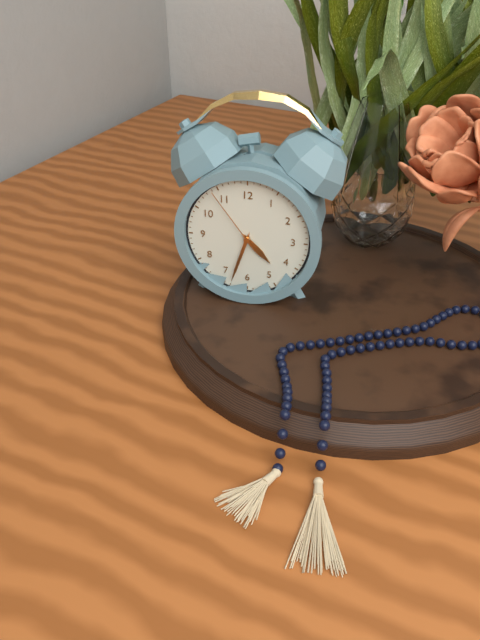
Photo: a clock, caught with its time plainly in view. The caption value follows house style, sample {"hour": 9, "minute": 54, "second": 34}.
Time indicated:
{"hour": 4, "minute": 33, "second": 54}
